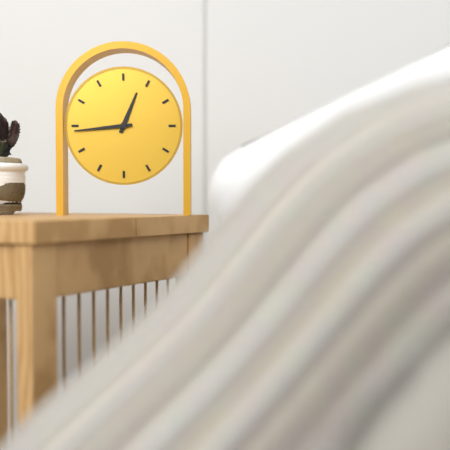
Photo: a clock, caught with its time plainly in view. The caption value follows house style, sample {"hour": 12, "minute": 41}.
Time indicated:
{"hour": 12, "minute": 44}
